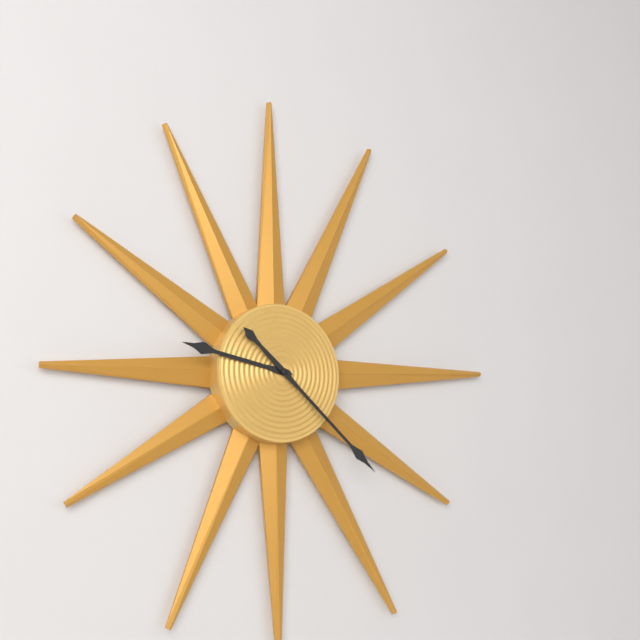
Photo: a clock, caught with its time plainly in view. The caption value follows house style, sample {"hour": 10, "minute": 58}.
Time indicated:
{"hour": 9, "minute": 22}
